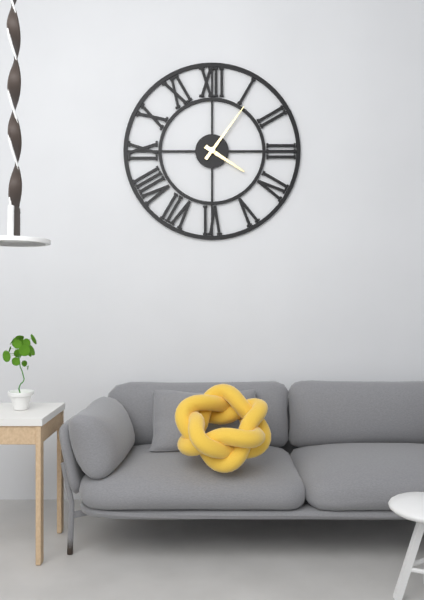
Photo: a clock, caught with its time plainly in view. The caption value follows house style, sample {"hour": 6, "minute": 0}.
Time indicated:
{"hour": 4, "minute": 6}
